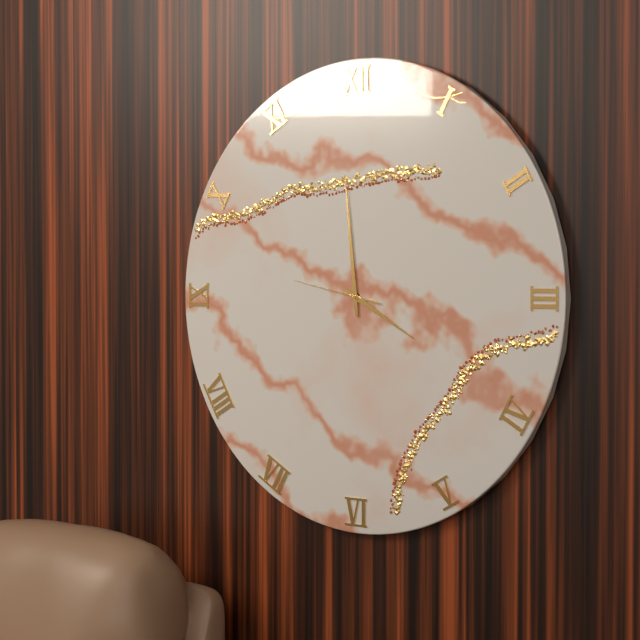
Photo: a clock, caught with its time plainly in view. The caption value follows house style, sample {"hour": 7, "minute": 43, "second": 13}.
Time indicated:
{"hour": 3, "minute": 59, "second": 47}
